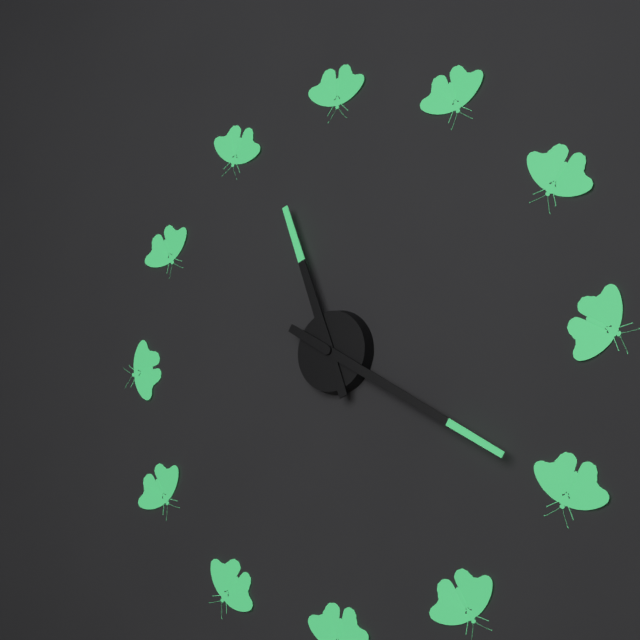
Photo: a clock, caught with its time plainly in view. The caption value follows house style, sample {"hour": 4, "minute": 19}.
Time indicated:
{"hour": 11, "minute": 20}
